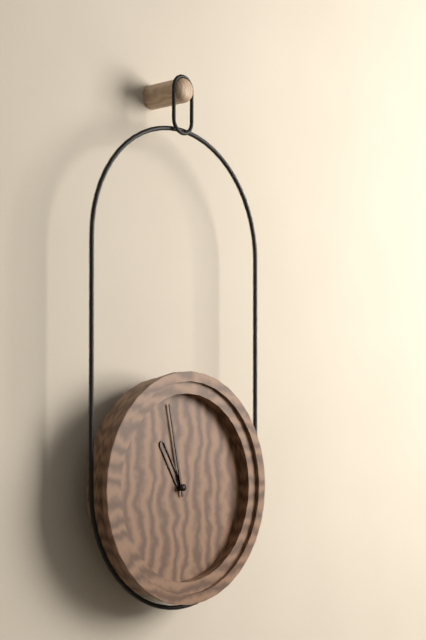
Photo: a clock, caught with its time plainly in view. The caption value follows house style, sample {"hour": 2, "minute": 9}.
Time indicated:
{"hour": 10, "minute": 58}
